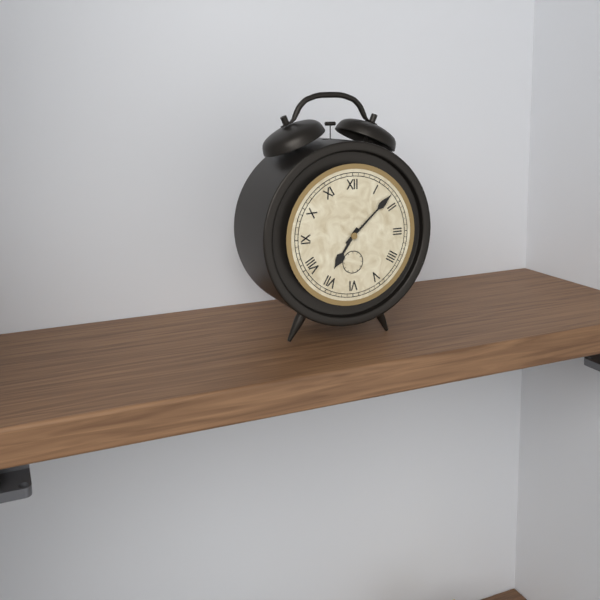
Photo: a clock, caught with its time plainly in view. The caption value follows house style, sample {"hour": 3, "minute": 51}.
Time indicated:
{"hour": 7, "minute": 8}
